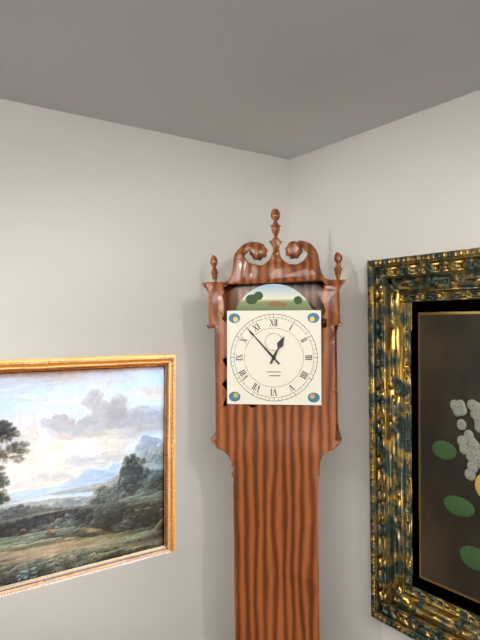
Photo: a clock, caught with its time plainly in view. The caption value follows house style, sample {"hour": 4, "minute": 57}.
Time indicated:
{"hour": 12, "minute": 53}
